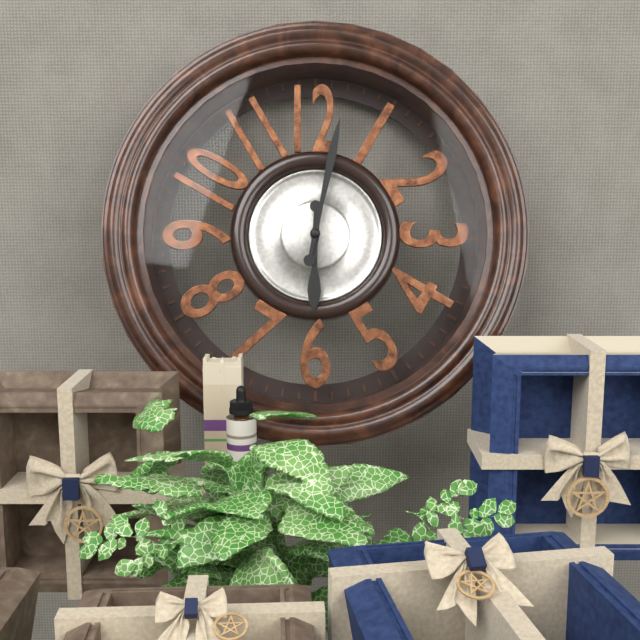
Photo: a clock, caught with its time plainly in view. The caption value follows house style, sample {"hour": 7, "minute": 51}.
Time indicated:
{"hour": 6, "minute": 2}
